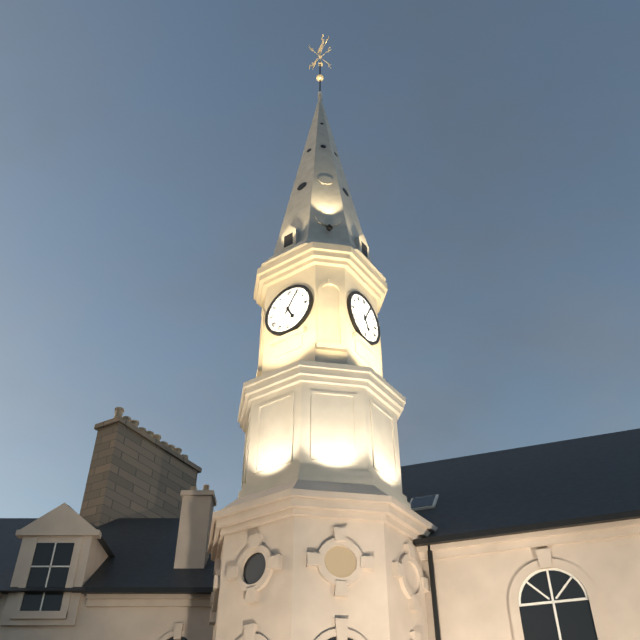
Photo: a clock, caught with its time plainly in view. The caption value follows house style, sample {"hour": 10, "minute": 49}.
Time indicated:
{"hour": 5, "minute": 5}
